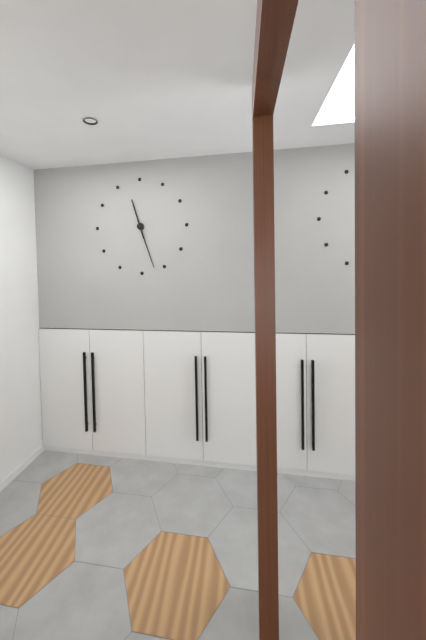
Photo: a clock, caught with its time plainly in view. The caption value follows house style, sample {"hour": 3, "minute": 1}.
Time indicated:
{"hour": 11, "minute": 27}
